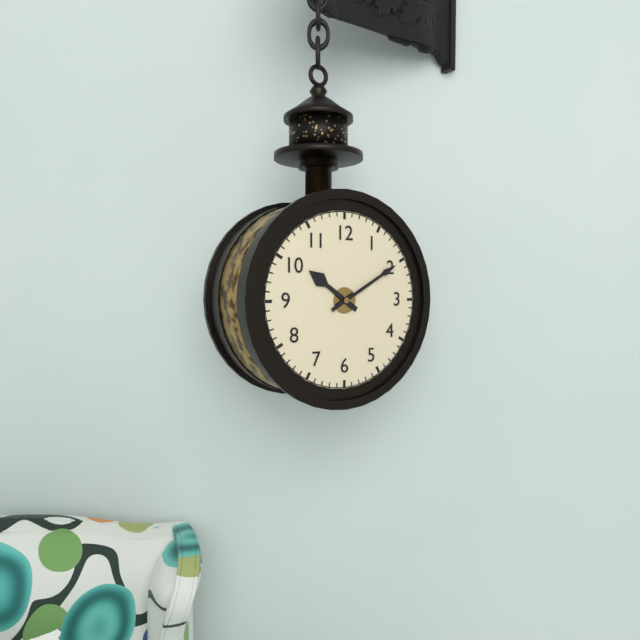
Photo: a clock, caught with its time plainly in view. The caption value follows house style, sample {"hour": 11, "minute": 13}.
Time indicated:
{"hour": 10, "minute": 10}
